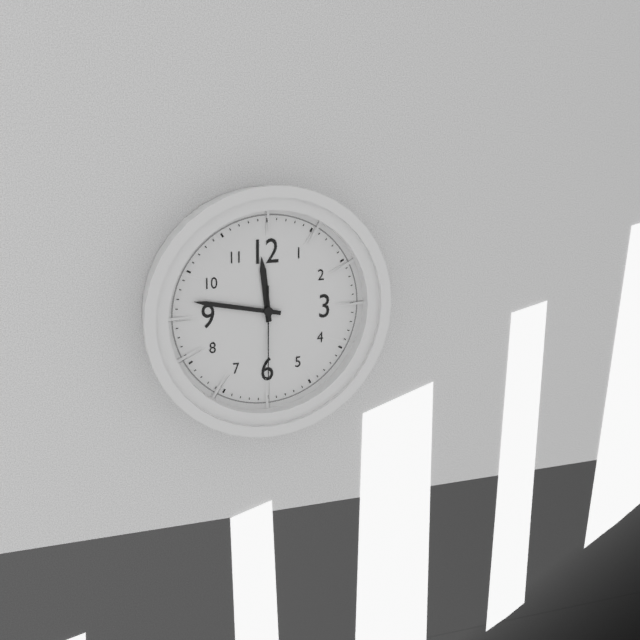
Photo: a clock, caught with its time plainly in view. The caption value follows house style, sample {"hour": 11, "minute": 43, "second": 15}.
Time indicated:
{"hour": 11, "minute": 47, "second": 30}
